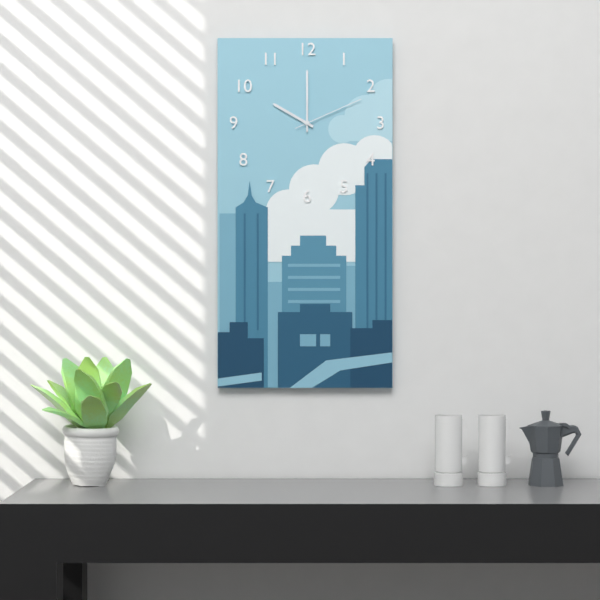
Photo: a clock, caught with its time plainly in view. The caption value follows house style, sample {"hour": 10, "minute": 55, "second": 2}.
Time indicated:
{"hour": 10, "minute": 0, "second": 11}
